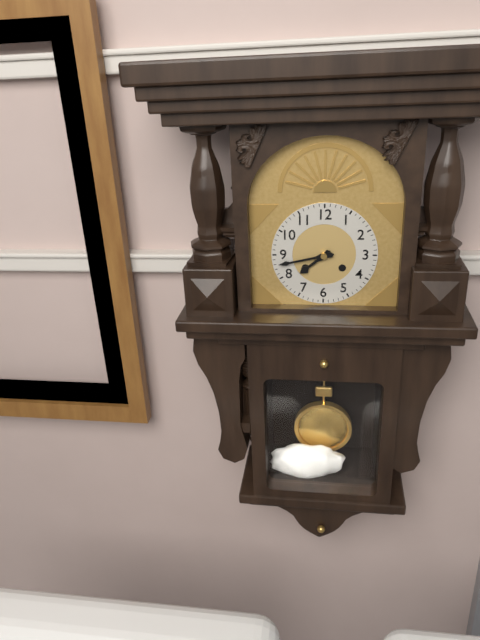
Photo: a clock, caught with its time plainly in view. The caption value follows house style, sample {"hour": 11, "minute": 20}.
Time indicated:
{"hour": 7, "minute": 43}
